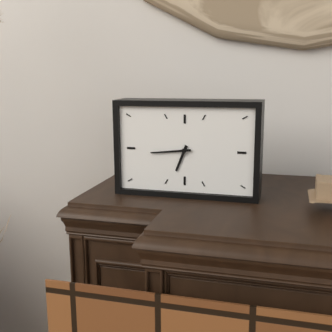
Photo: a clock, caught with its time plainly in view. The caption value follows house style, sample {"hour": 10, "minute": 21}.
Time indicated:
{"hour": 6, "minute": 44}
